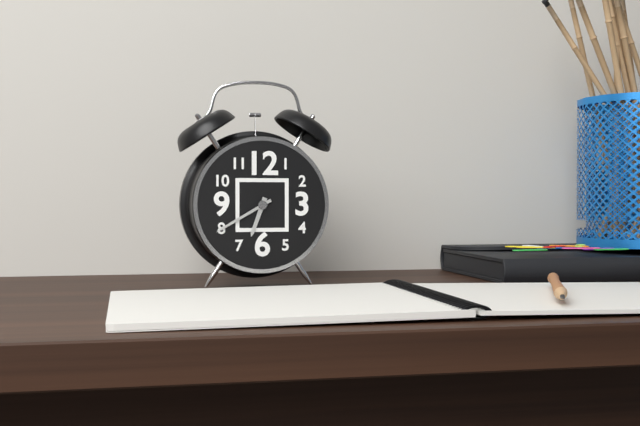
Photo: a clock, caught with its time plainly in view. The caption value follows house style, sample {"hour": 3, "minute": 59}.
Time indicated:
{"hour": 6, "minute": 40}
